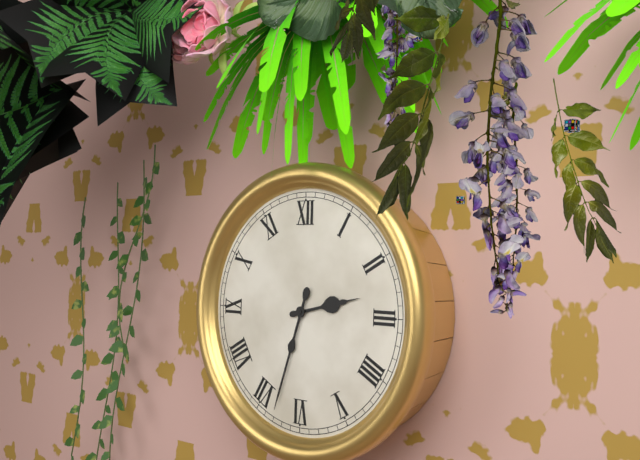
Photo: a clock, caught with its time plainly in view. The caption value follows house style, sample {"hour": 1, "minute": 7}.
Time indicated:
{"hour": 2, "minute": 33}
